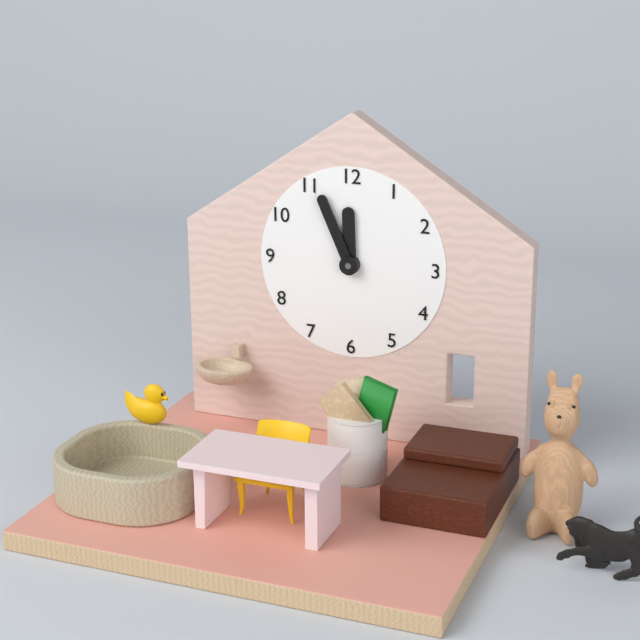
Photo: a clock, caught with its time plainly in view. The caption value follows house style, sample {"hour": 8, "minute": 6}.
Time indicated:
{"hour": 11, "minute": 56}
